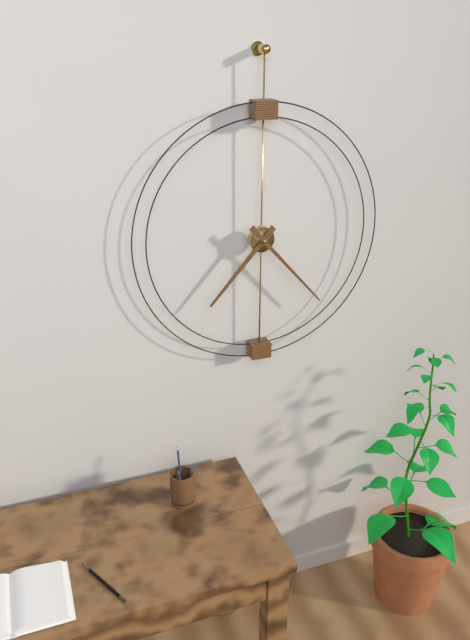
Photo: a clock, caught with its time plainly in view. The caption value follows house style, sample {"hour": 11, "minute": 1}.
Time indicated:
{"hour": 7, "minute": 23}
